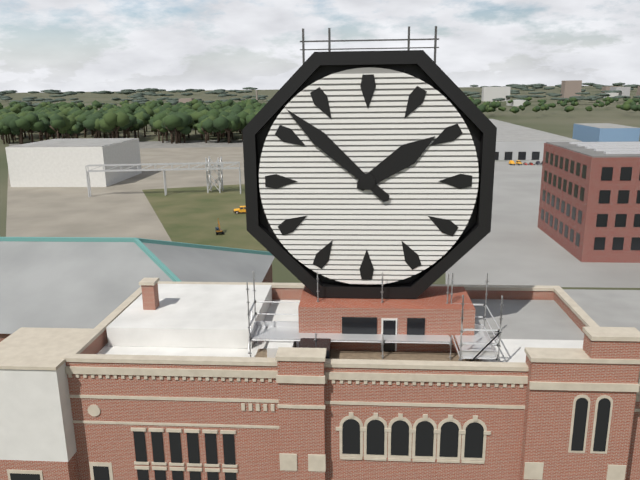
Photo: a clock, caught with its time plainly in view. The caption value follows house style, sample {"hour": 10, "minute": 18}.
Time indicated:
{"hour": 1, "minute": 52}
